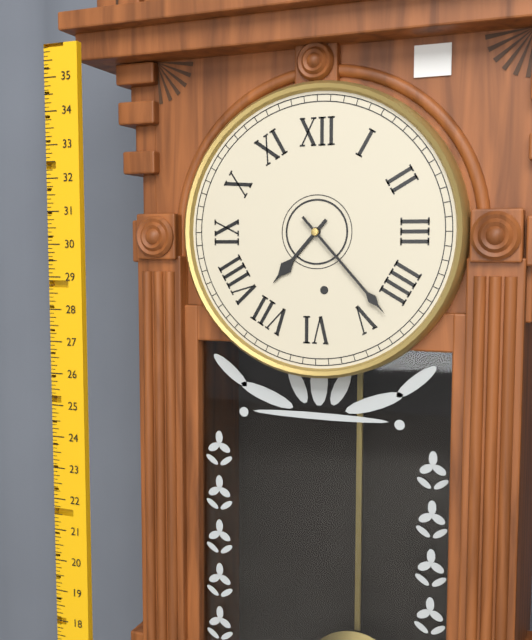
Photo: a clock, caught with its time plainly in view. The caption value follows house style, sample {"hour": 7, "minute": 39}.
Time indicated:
{"hour": 7, "minute": 23}
